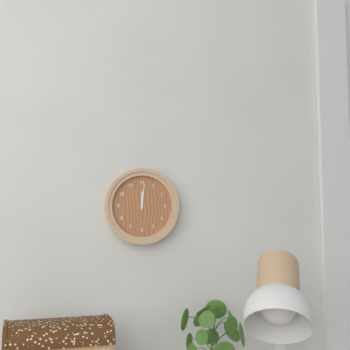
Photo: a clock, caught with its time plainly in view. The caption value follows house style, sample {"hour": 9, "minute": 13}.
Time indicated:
{"hour": 12, "minute": 1}
